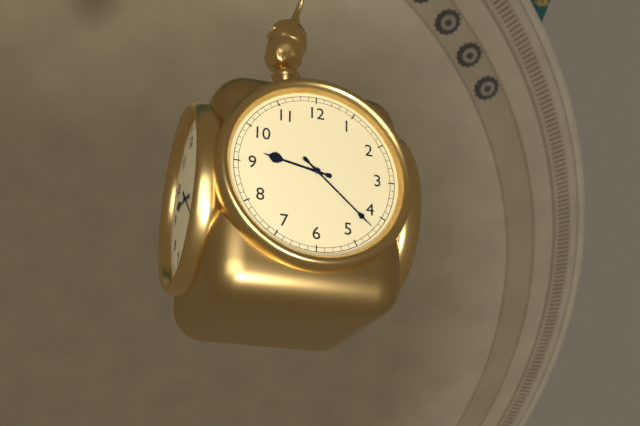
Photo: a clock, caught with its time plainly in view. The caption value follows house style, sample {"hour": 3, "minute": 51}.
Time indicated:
{"hour": 9, "minute": 22}
